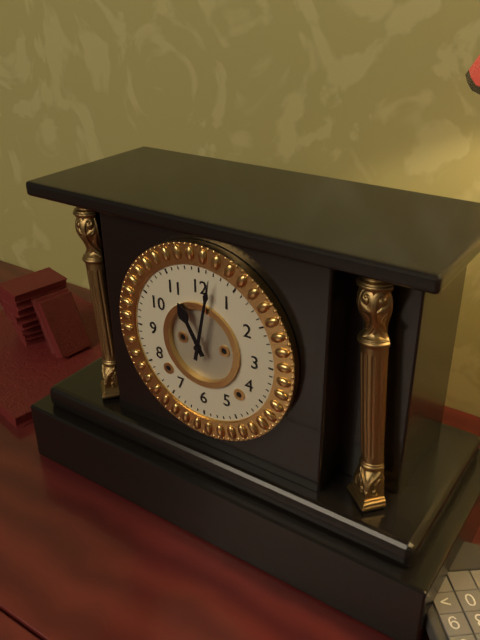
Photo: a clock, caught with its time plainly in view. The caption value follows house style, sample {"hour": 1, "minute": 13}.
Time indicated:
{"hour": 11, "minute": 2}
